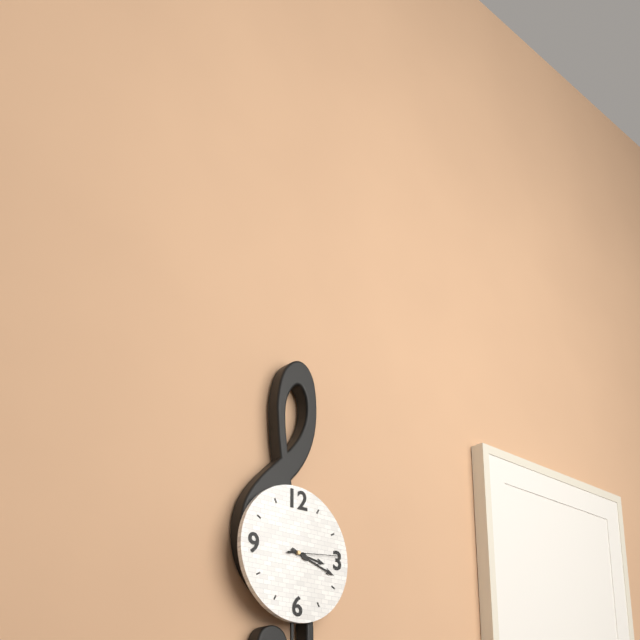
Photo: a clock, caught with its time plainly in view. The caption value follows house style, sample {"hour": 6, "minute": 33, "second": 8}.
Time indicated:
{"hour": 3, "minute": 18, "second": 14}
